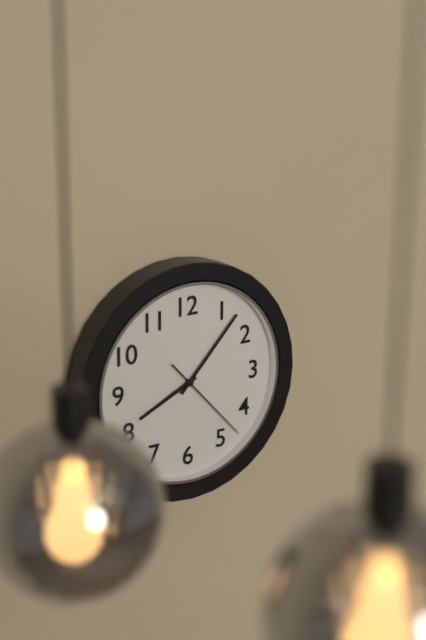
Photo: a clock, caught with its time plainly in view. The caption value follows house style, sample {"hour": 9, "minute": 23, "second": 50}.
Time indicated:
{"hour": 8, "minute": 7, "second": 23}
